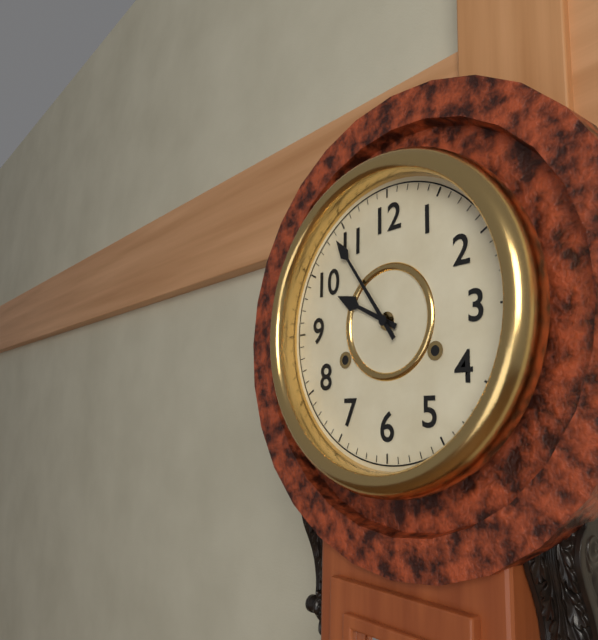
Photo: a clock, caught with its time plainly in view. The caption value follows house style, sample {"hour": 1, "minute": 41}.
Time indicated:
{"hour": 9, "minute": 54}
